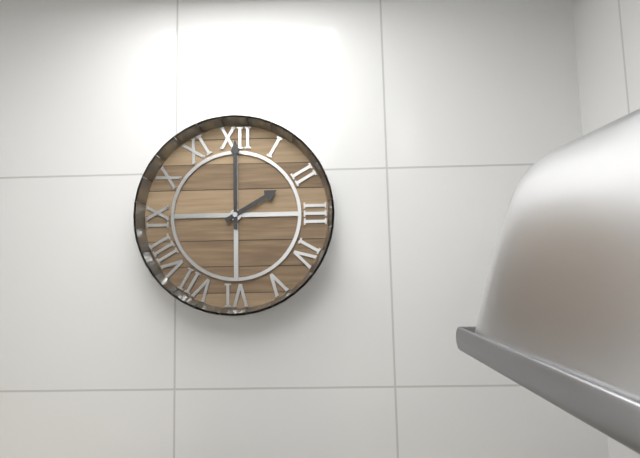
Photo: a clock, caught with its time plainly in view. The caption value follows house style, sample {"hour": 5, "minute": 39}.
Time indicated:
{"hour": 2, "minute": 0}
